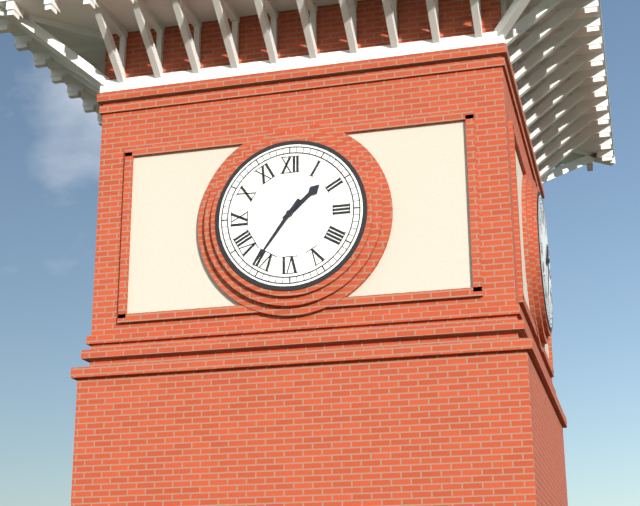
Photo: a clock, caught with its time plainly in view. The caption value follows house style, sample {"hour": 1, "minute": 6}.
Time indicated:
{"hour": 1, "minute": 36}
